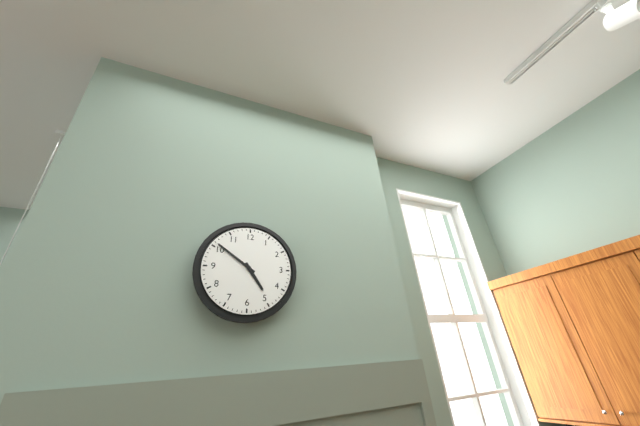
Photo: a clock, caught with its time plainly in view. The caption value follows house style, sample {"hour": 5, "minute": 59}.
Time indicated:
{"hour": 4, "minute": 51}
